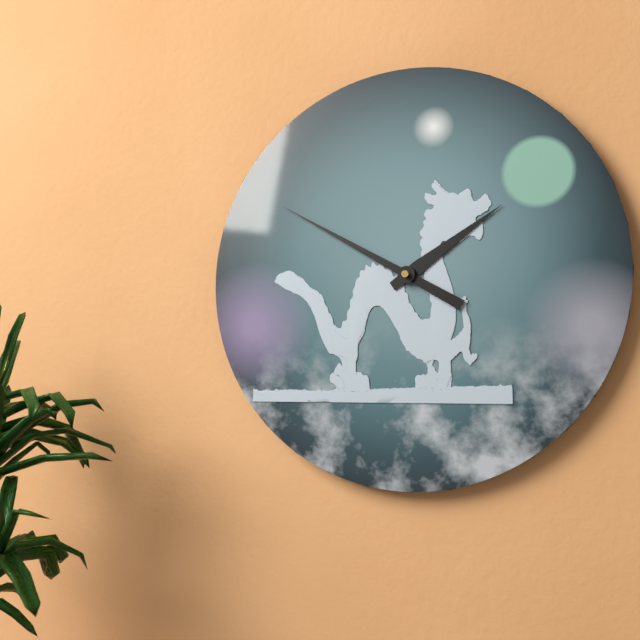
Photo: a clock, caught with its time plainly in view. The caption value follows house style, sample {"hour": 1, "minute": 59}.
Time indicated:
{"hour": 1, "minute": 50}
